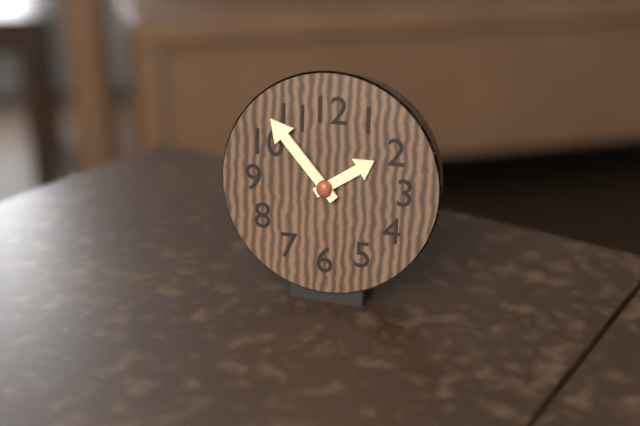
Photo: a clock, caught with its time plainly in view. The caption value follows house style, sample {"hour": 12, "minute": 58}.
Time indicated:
{"hour": 1, "minute": 53}
